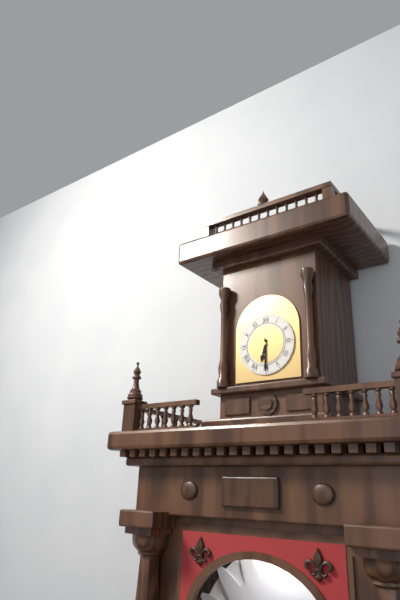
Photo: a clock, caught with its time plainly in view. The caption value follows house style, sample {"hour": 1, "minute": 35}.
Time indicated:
{"hour": 6, "minute": 30}
